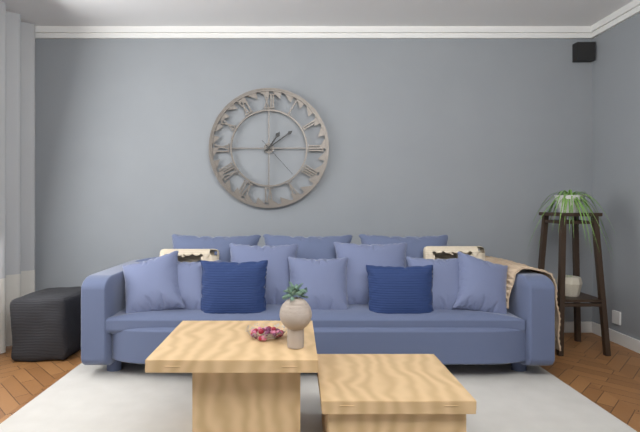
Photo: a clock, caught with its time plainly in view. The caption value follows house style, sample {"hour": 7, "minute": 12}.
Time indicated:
{"hour": 1, "minute": 9}
